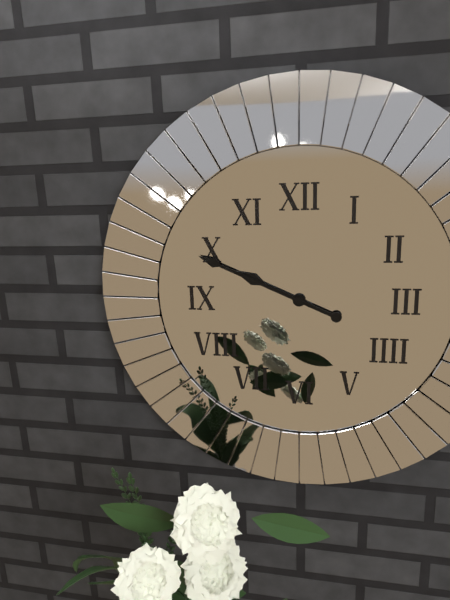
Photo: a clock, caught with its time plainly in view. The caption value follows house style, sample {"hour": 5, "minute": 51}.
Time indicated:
{"hour": 9, "minute": 49}
